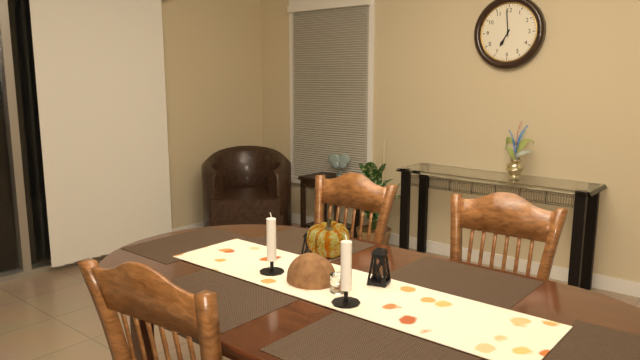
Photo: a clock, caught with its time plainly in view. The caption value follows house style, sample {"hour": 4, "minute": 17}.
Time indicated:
{"hour": 6, "minute": 59}
